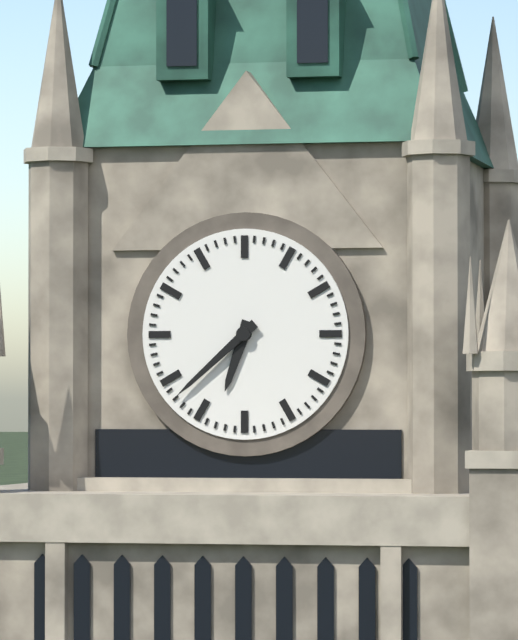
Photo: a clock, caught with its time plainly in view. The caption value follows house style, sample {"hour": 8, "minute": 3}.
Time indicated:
{"hour": 6, "minute": 38}
